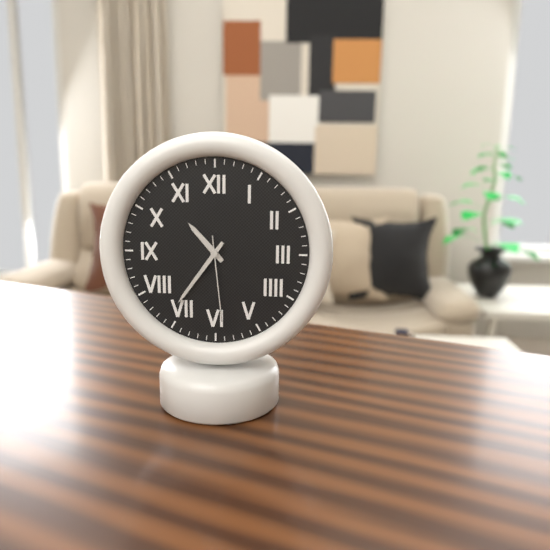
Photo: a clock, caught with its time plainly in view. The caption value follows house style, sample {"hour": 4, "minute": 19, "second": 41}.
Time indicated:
{"hour": 10, "minute": 36, "second": 29}
